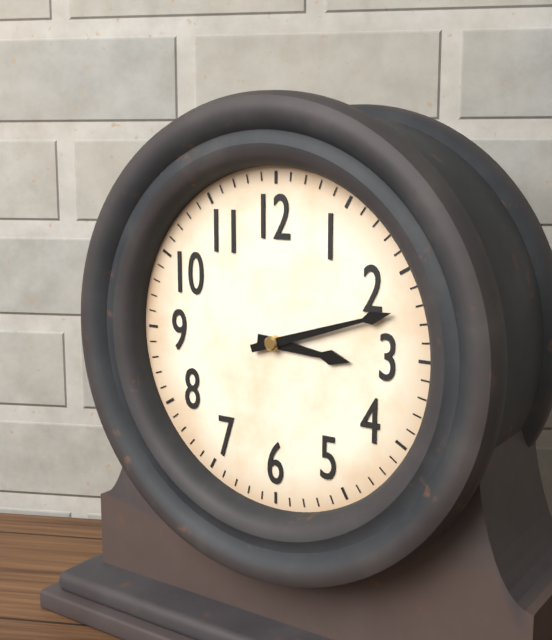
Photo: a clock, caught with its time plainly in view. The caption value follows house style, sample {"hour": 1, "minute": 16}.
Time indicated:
{"hour": 3, "minute": 12}
